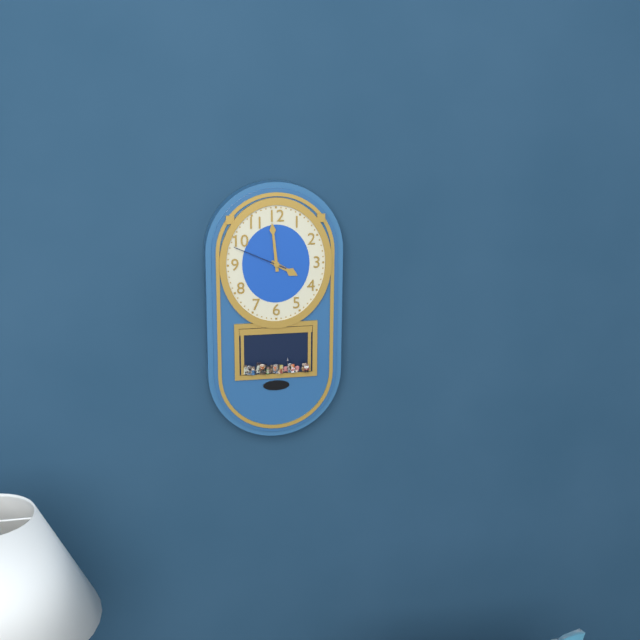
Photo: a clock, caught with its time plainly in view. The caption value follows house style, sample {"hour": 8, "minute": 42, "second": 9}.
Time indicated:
{"hour": 3, "minute": 59, "second": 49}
